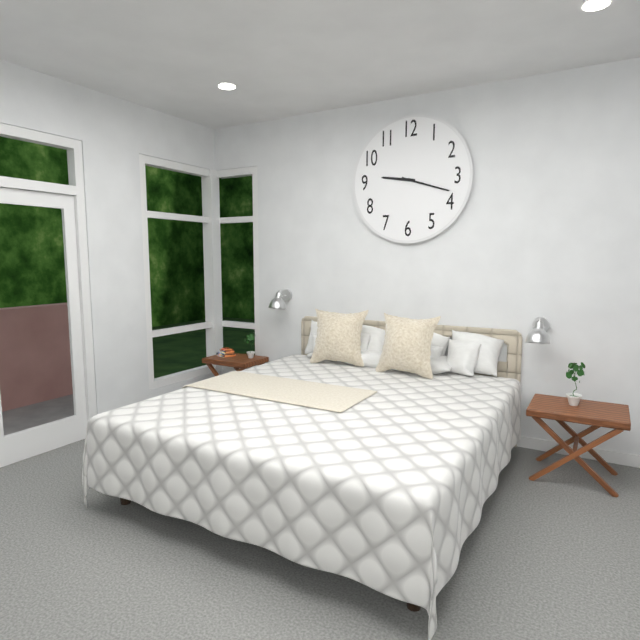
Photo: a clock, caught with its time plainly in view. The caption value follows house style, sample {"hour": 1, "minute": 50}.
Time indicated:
{"hour": 9, "minute": 18}
